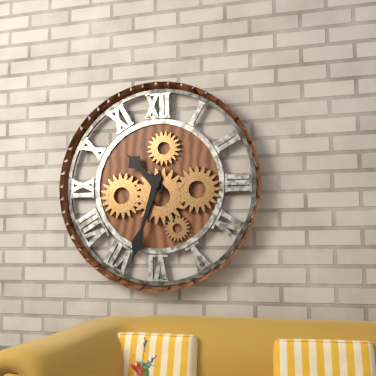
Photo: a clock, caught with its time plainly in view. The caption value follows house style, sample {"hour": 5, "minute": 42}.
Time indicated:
{"hour": 10, "minute": 33}
